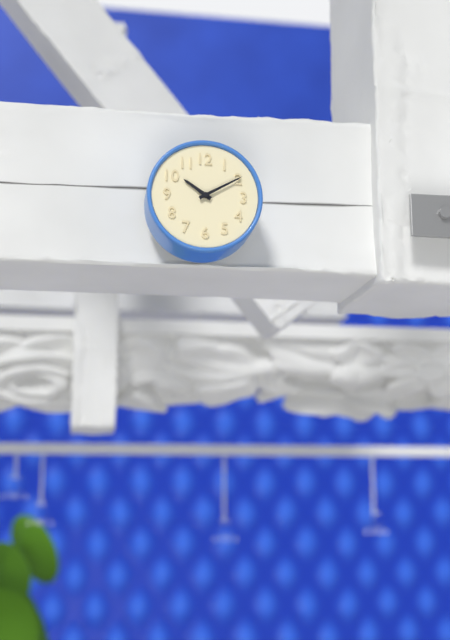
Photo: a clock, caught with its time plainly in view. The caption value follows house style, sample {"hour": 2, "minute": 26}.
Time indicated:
{"hour": 10, "minute": 10}
